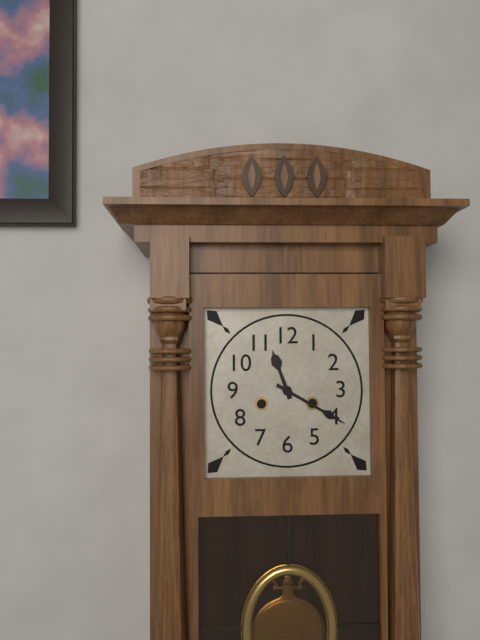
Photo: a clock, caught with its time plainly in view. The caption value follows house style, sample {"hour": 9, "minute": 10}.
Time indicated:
{"hour": 11, "minute": 20}
